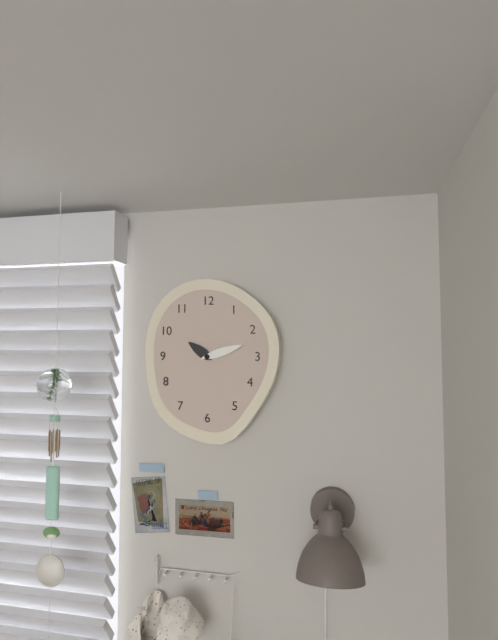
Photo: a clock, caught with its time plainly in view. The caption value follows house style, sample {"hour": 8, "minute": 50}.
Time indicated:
{"hour": 10, "minute": 12}
